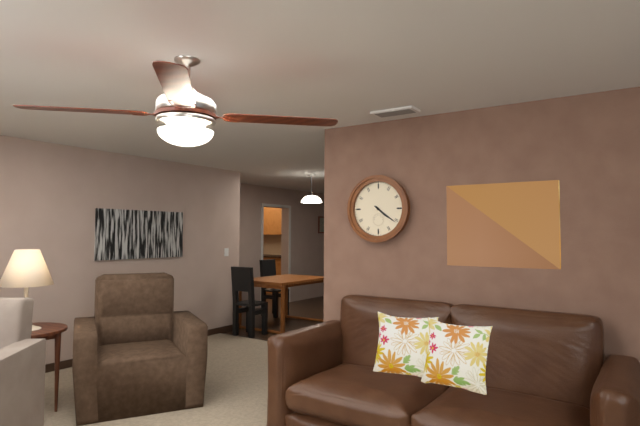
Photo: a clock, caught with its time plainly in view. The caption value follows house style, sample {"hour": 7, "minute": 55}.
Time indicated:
{"hour": 4, "minute": 21}
